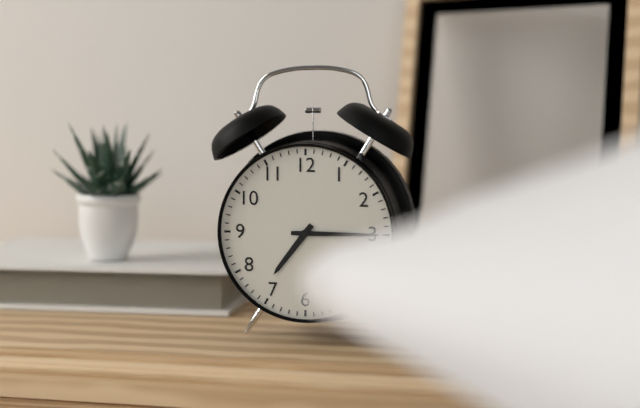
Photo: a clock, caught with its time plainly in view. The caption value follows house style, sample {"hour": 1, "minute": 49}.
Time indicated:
{"hour": 7, "minute": 15}
